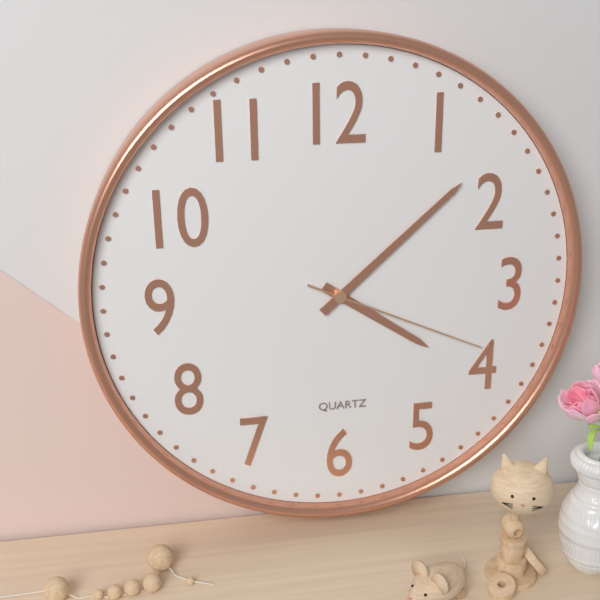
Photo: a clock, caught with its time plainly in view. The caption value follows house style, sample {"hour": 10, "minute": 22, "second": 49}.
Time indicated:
{"hour": 4, "minute": 8, "second": 19}
